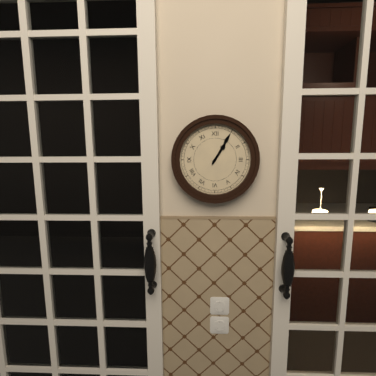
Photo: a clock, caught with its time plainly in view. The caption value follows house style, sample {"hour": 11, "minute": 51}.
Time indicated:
{"hour": 1, "minute": 5}
